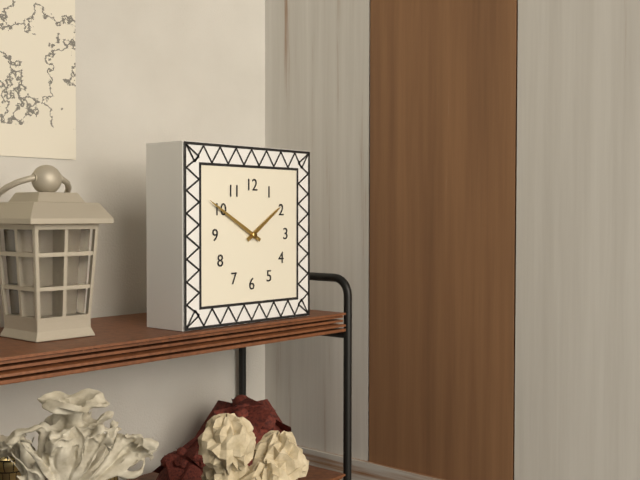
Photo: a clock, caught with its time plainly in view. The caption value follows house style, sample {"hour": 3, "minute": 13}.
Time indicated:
{"hour": 1, "minute": 50}
